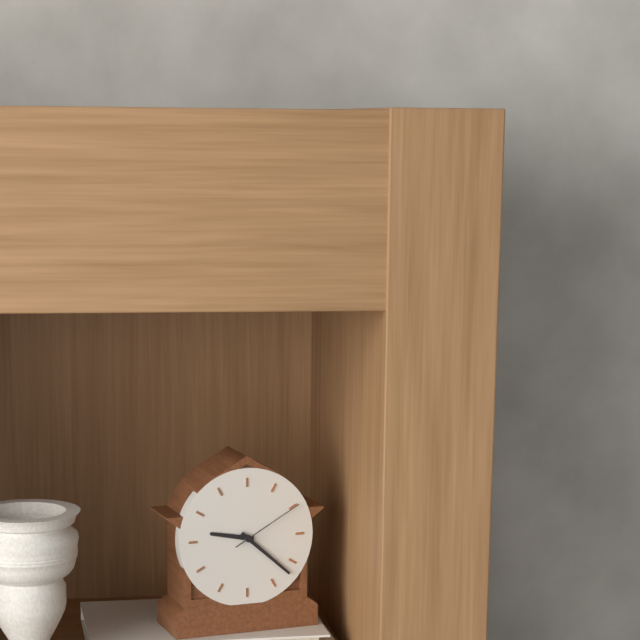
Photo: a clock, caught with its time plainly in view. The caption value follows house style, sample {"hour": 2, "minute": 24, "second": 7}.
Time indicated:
{"hour": 9, "minute": 22, "second": 10}
